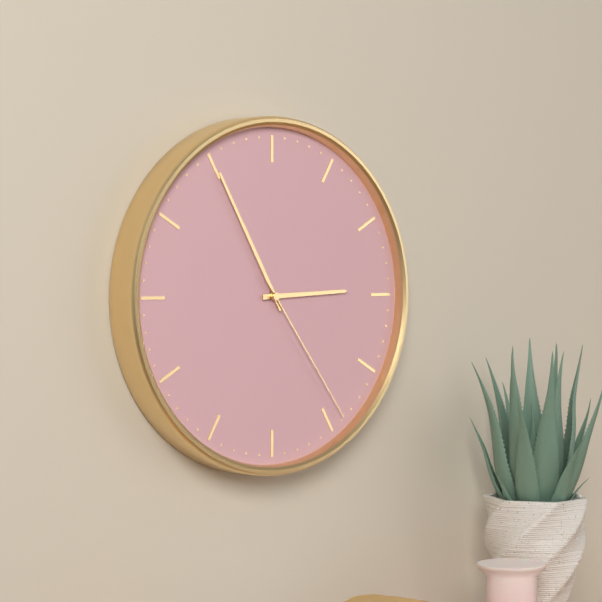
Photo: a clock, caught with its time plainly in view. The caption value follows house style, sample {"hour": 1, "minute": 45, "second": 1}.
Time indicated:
{"hour": 2, "minute": 55, "second": 24}
